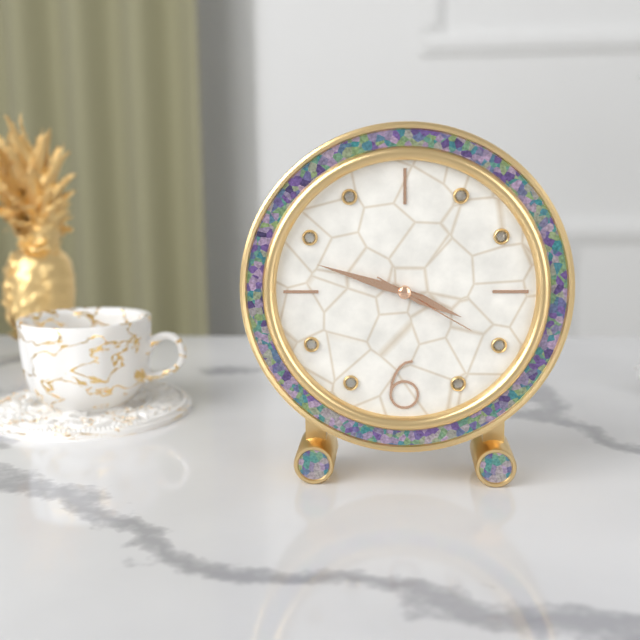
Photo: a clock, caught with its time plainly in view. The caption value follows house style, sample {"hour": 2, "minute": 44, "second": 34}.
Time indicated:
{"hour": 3, "minute": 48, "second": 20}
